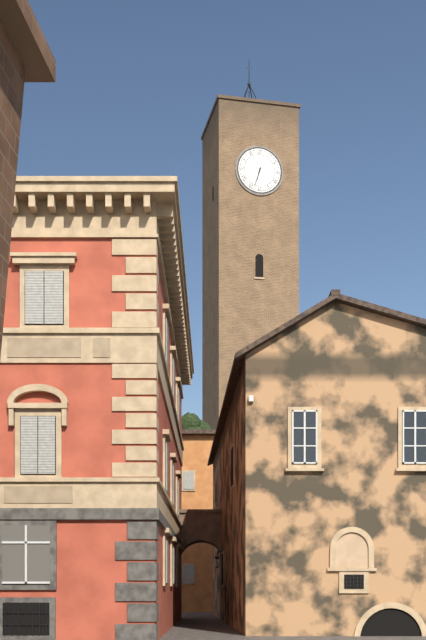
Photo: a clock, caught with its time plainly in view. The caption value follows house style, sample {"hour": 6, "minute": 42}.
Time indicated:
{"hour": 6, "minute": 33}
